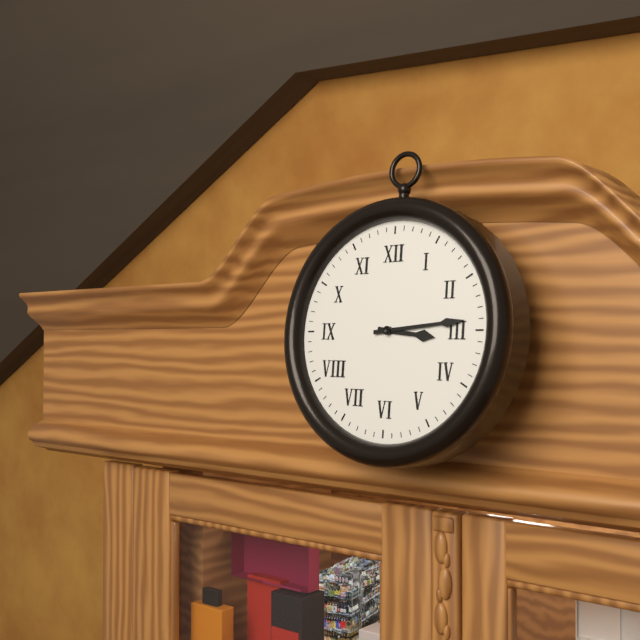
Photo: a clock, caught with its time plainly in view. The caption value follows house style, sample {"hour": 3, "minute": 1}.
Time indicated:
{"hour": 3, "minute": 14}
